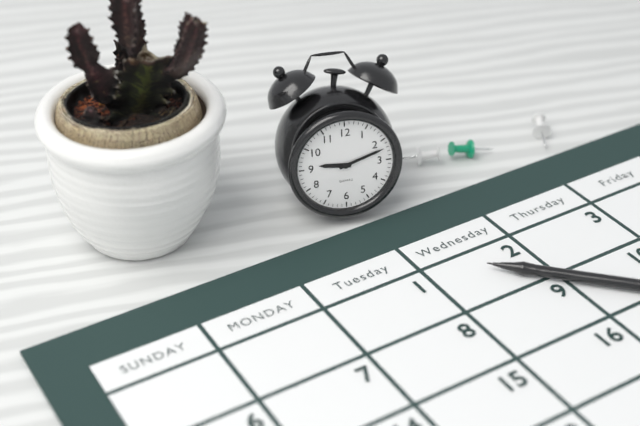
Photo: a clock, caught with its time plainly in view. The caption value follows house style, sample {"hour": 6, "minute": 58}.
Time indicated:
{"hour": 9, "minute": 12}
